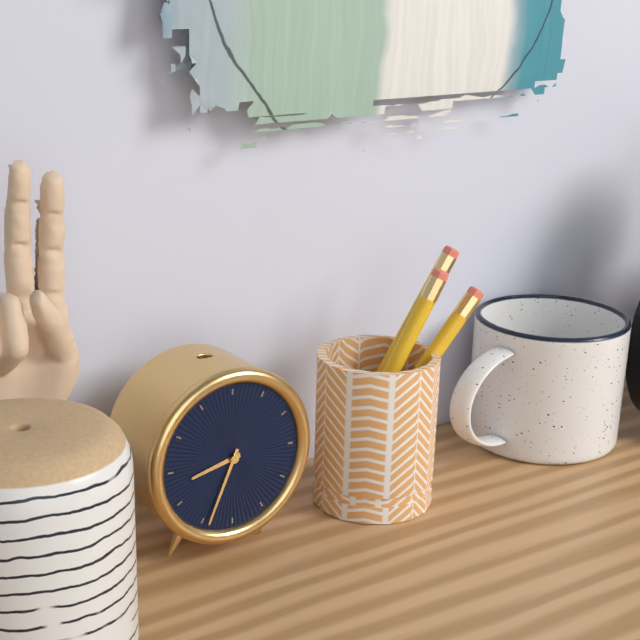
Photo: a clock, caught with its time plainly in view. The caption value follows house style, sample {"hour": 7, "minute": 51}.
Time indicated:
{"hour": 8, "minute": 34}
